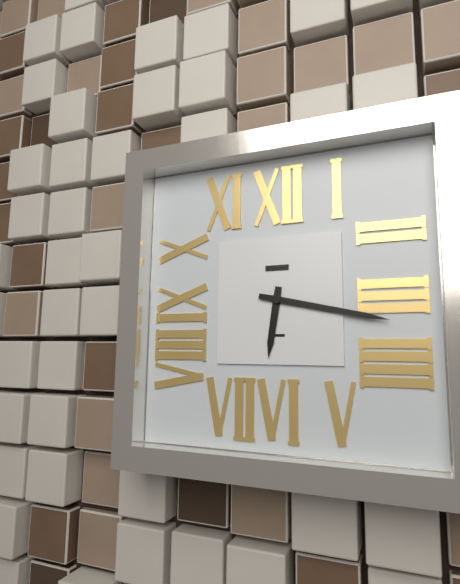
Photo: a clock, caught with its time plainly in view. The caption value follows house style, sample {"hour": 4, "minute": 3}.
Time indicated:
{"hour": 6, "minute": 17}
